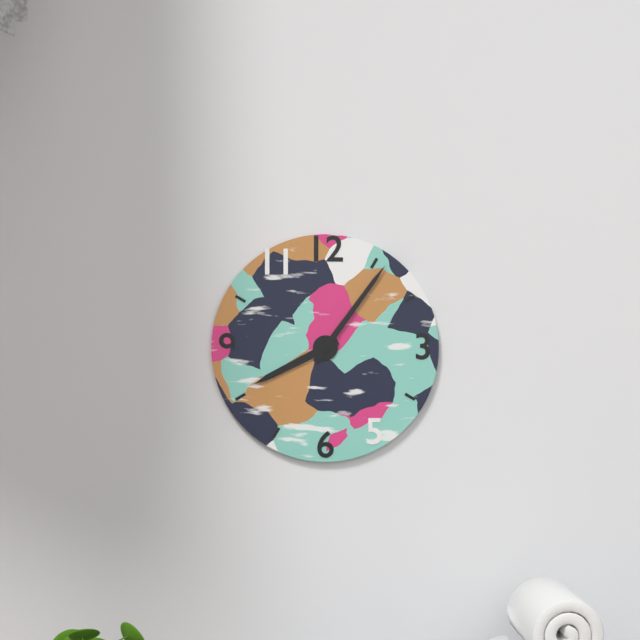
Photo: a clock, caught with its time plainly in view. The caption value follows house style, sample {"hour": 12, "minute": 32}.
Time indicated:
{"hour": 8, "minute": 6}
